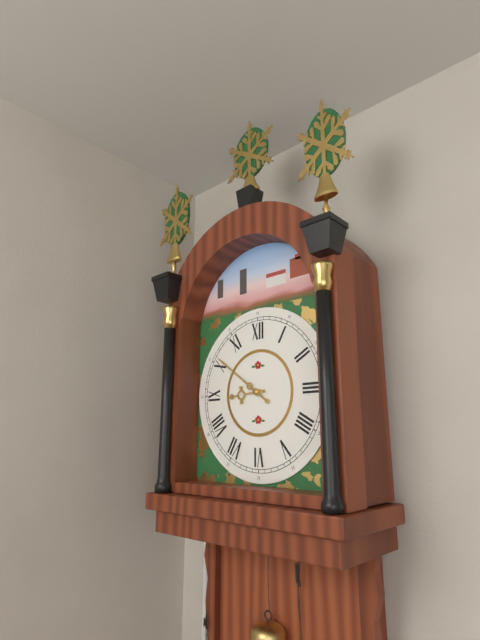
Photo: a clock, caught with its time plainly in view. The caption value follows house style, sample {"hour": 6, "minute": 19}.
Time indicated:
{"hour": 8, "minute": 51}
